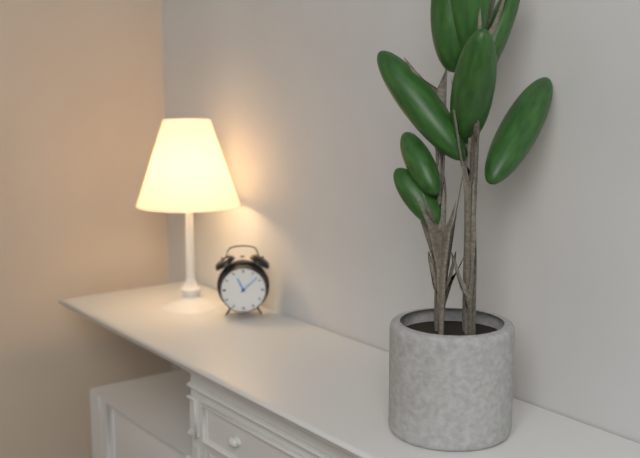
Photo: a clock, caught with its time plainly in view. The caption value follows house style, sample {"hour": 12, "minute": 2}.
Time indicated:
{"hour": 11, "minute": 8}
